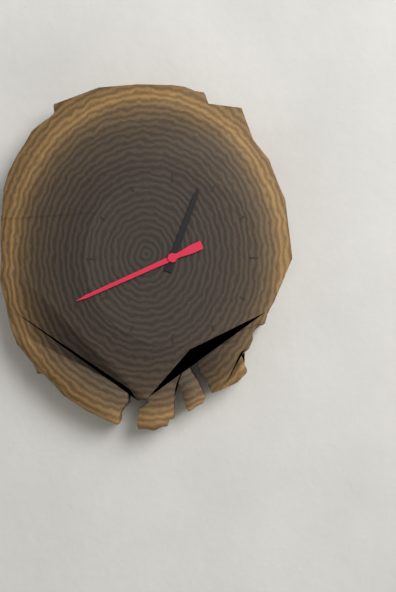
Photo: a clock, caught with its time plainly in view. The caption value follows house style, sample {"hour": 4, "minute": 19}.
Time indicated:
{"hour": 12, "minute": 41}
